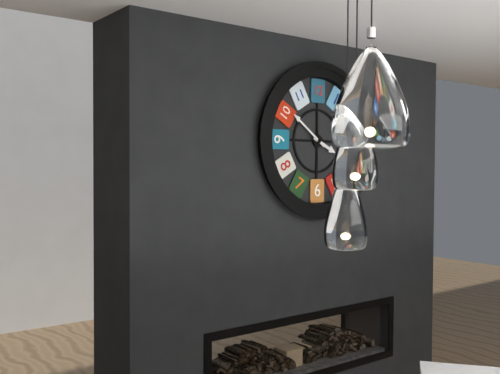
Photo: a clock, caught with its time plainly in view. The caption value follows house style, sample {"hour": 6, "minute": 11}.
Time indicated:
{"hour": 3, "minute": 51}
